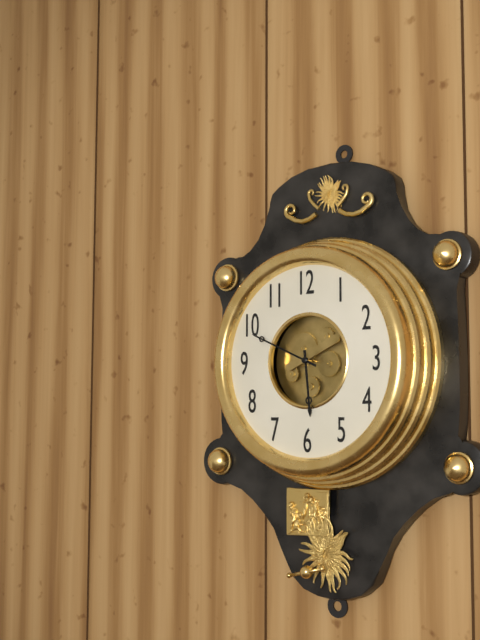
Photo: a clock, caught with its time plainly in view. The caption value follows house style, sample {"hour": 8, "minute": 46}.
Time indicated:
{"hour": 5, "minute": 49}
